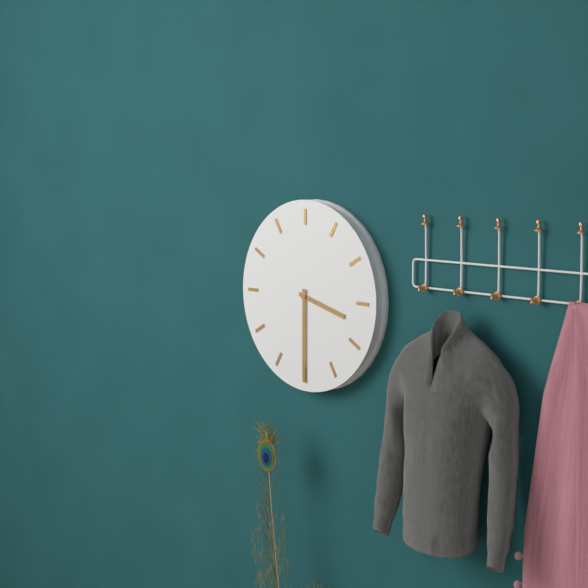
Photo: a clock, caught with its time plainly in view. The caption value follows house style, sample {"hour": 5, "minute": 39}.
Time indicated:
{"hour": 3, "minute": 30}
